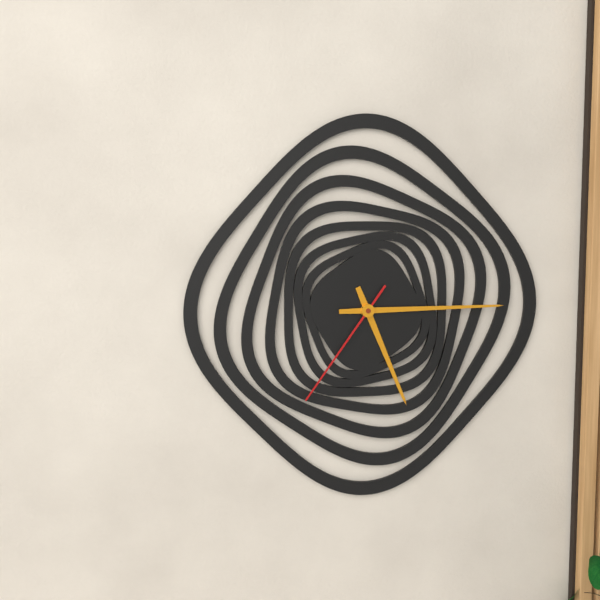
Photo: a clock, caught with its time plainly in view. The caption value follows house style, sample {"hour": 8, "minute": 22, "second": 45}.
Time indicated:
{"hour": 5, "minute": 15, "second": 36}
